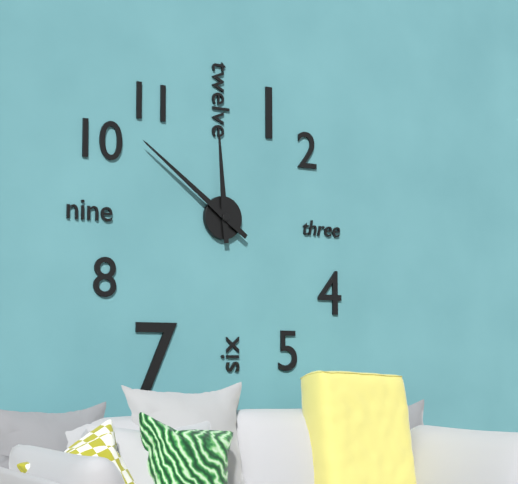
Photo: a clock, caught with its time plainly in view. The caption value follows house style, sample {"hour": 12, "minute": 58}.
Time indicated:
{"hour": 11, "minute": 51}
